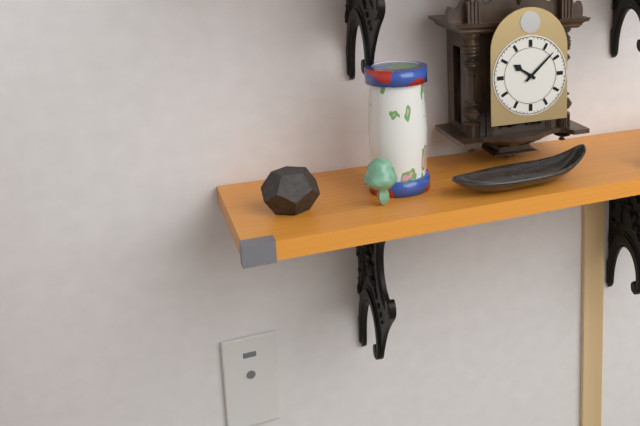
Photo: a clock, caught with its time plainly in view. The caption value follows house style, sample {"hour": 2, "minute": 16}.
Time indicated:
{"hour": 10, "minute": 8}
